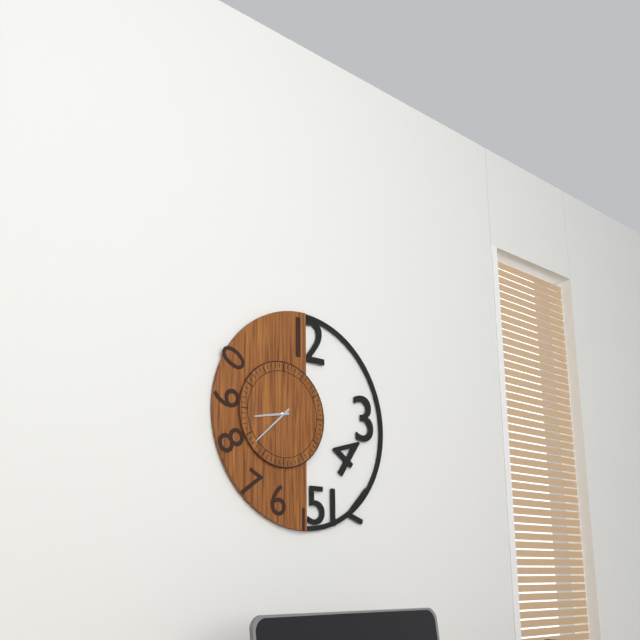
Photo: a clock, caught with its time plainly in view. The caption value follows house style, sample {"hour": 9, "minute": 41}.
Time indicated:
{"hour": 8, "minute": 38}
